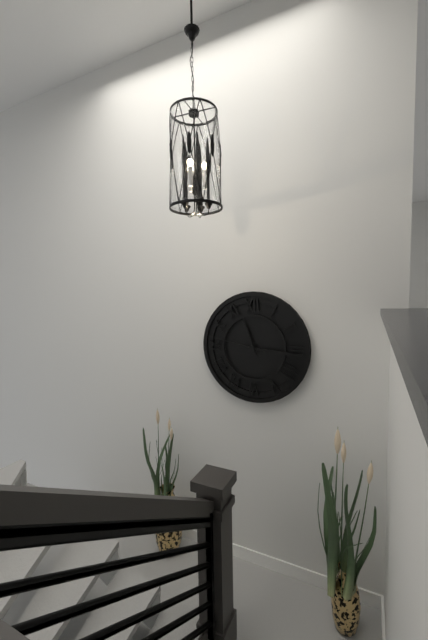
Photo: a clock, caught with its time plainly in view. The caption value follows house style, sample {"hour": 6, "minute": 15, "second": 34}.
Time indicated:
{"hour": 11, "minute": 16, "second": 47}
